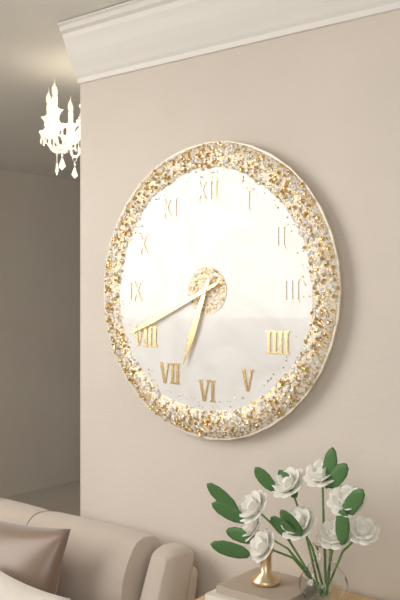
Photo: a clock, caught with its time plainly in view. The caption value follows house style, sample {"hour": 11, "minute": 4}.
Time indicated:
{"hour": 6, "minute": 41}
